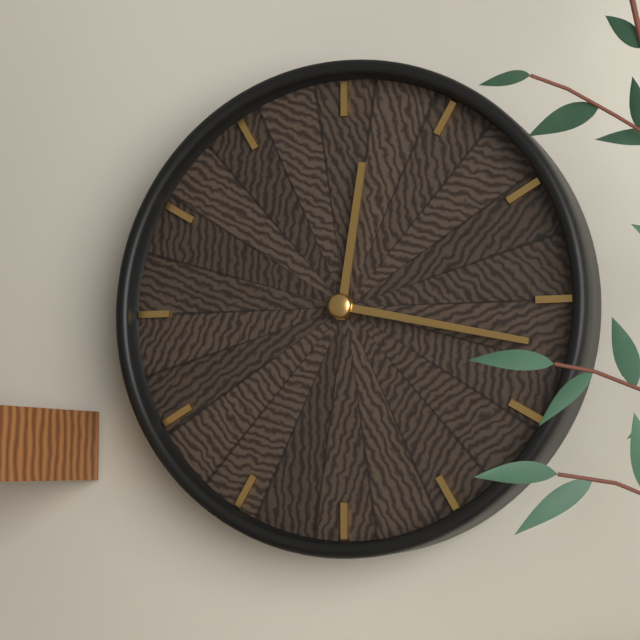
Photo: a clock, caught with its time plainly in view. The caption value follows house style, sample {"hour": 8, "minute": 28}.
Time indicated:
{"hour": 12, "minute": 17}
